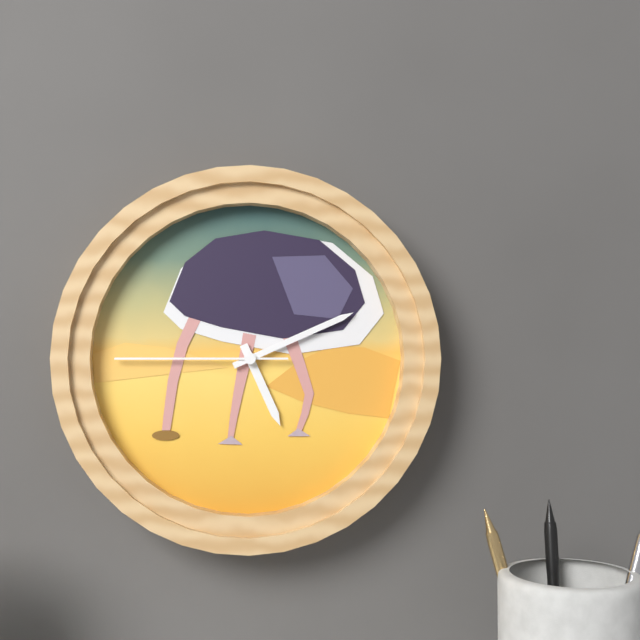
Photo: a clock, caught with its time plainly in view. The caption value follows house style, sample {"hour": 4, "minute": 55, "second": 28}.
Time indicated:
{"hour": 5, "minute": 11, "second": 45}
